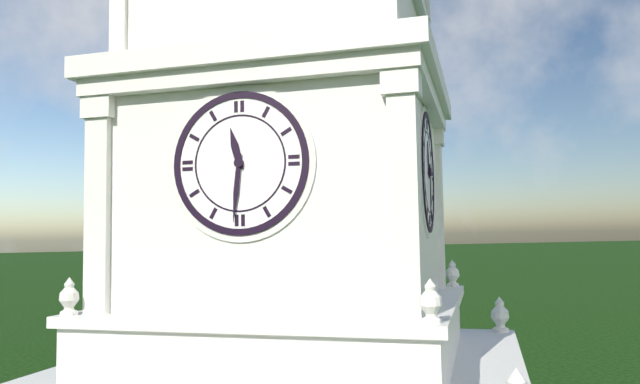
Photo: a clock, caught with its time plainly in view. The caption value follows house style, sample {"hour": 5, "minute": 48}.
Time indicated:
{"hour": 11, "minute": 31}
